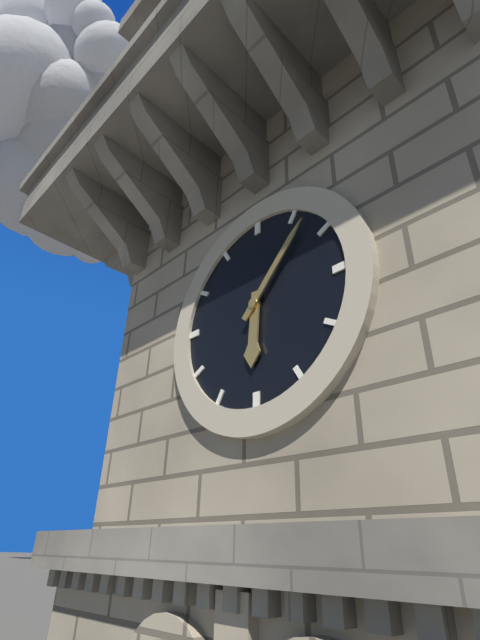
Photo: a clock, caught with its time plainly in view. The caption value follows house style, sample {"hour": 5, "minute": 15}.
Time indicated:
{"hour": 6, "minute": 7}
